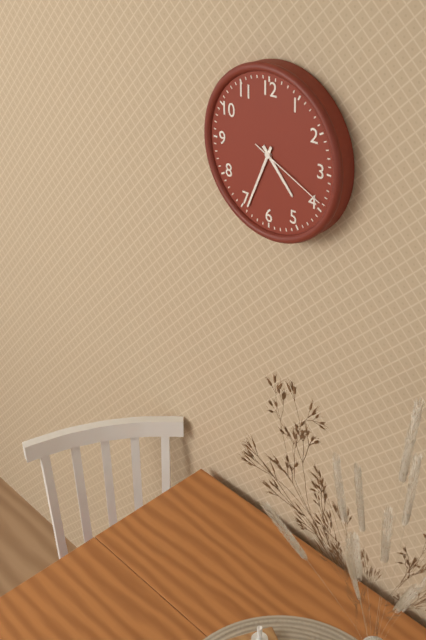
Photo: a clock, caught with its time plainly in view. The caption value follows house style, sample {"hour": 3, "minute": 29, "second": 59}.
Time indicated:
{"hour": 4, "minute": 34, "second": 19}
